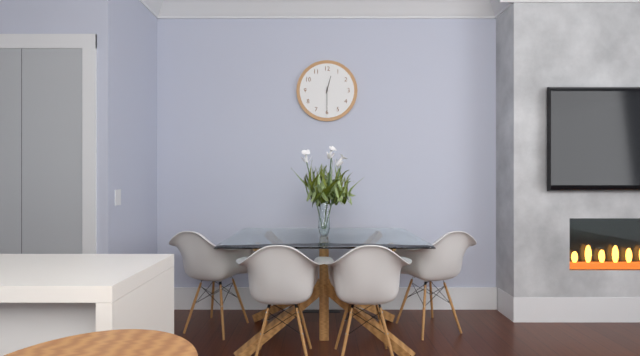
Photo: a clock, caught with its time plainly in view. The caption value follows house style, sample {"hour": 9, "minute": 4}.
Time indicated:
{"hour": 12, "minute": 30}
